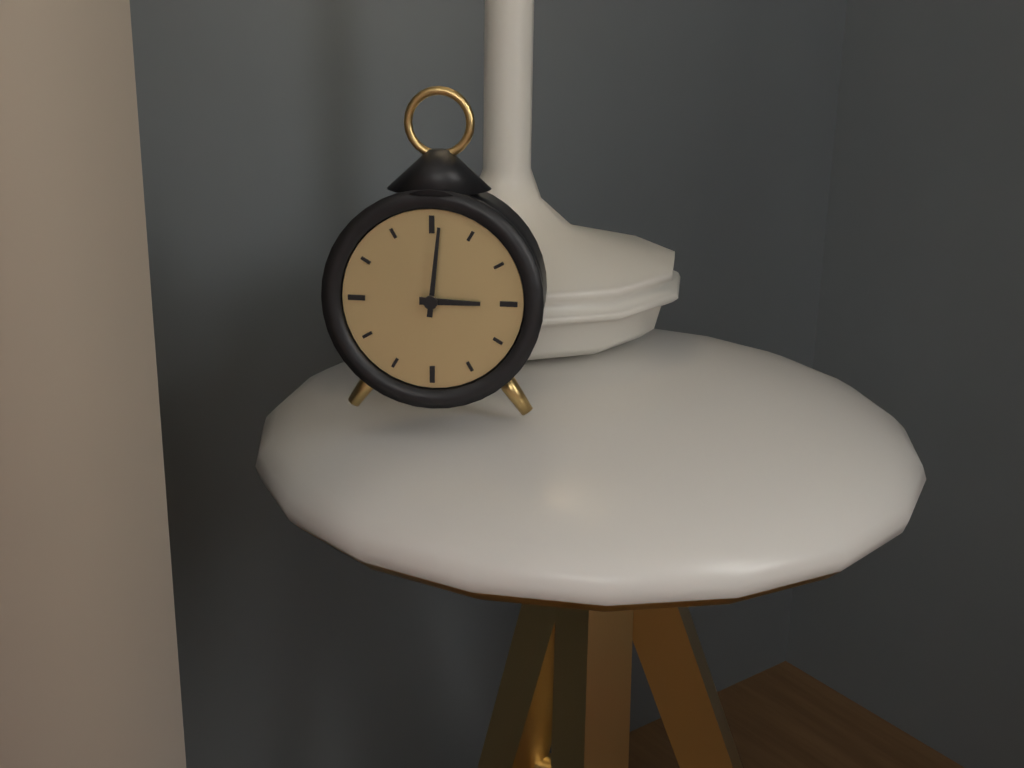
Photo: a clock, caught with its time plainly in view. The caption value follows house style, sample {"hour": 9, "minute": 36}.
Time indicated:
{"hour": 3, "minute": 1}
